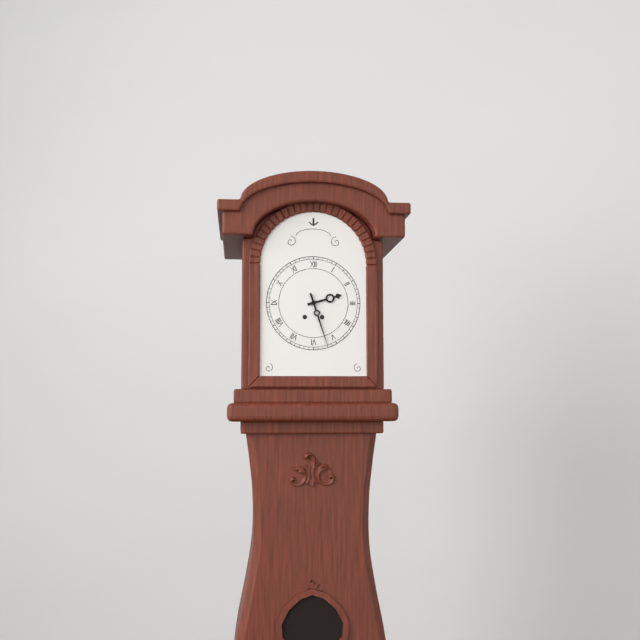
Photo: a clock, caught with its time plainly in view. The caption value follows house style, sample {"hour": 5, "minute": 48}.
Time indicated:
{"hour": 2, "minute": 27}
